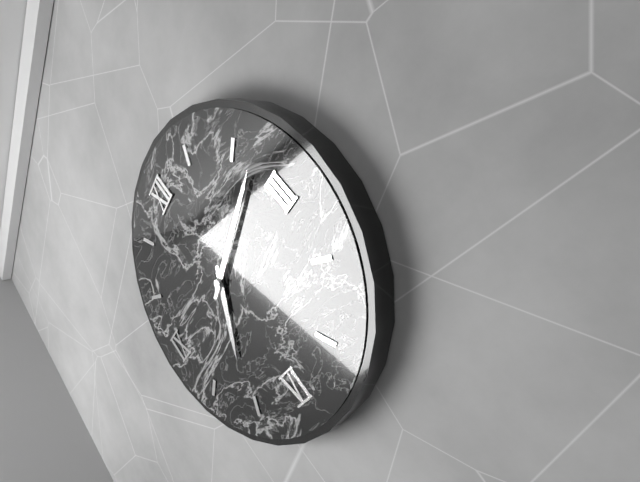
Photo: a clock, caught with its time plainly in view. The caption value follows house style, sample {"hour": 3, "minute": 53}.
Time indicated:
{"hour": 7, "minute": 12}
